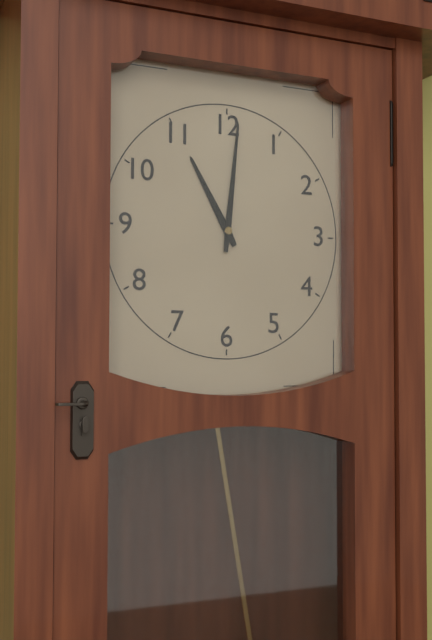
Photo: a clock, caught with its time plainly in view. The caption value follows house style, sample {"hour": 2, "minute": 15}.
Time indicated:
{"hour": 11, "minute": 1}
